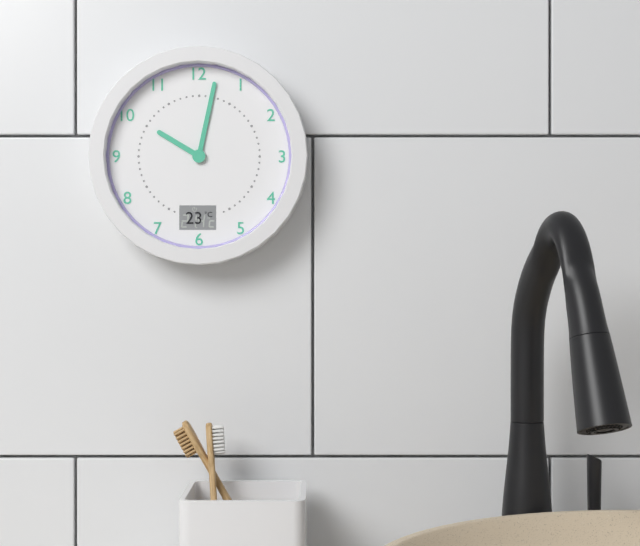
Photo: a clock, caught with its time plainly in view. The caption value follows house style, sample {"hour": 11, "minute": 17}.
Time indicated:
{"hour": 10, "minute": 2}
